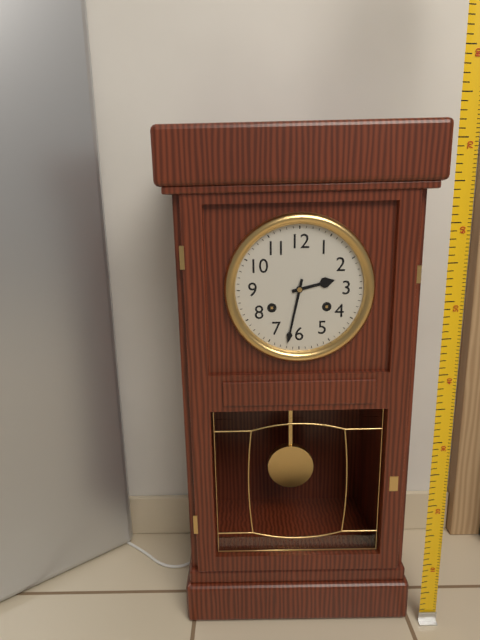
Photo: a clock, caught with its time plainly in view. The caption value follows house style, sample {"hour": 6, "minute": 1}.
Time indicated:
{"hour": 2, "minute": 32}
